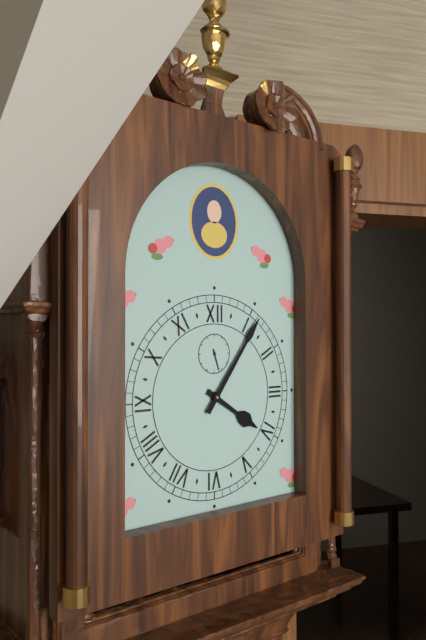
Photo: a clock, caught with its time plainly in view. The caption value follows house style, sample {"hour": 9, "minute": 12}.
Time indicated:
{"hour": 4, "minute": 6}
